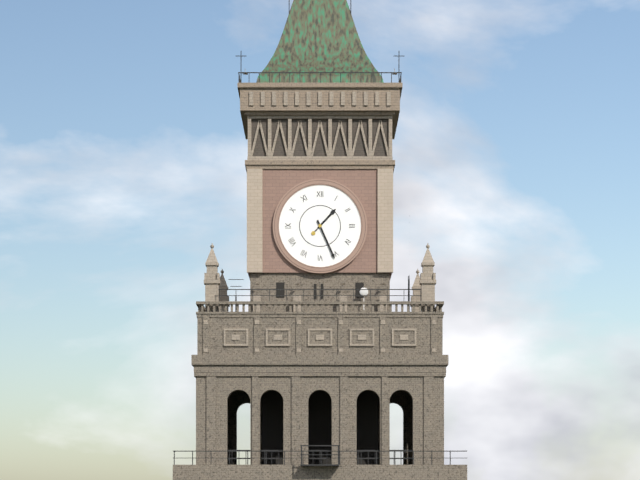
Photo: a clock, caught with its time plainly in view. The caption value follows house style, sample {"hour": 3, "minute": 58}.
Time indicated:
{"hour": 1, "minute": 26}
